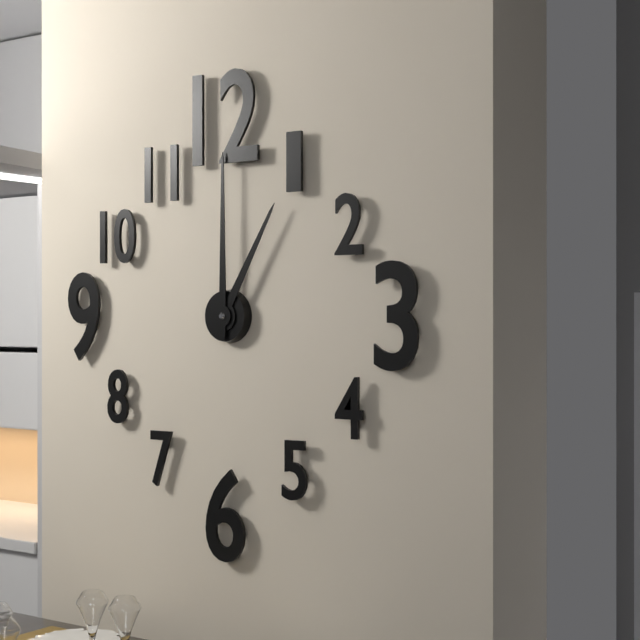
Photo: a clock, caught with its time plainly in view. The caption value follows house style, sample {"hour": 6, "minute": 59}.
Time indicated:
{"hour": 1, "minute": 0}
